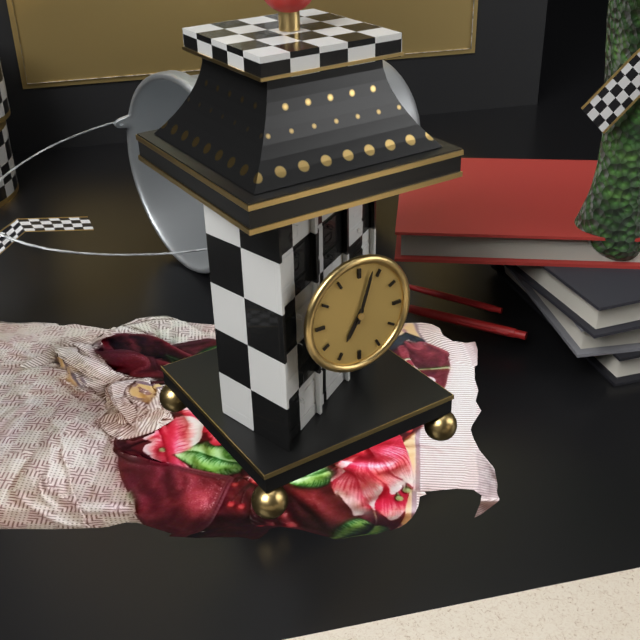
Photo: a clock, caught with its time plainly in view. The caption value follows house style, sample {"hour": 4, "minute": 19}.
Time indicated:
{"hour": 7, "minute": 3}
